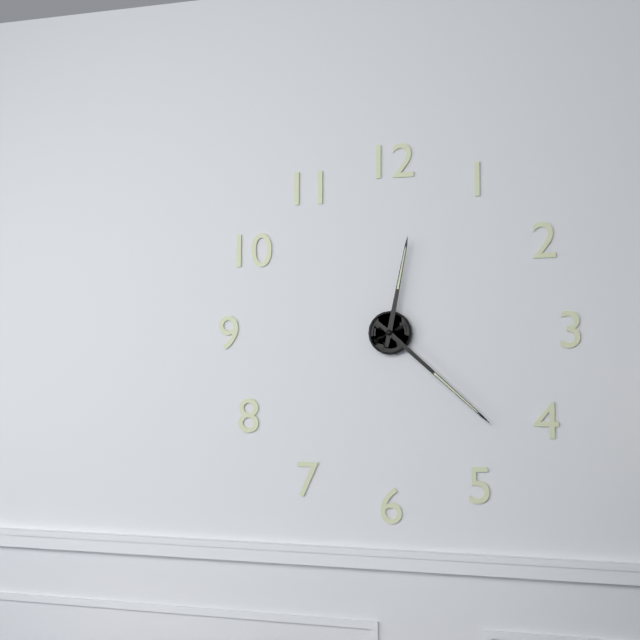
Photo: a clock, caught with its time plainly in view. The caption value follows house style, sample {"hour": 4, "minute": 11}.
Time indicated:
{"hour": 12, "minute": 22}
